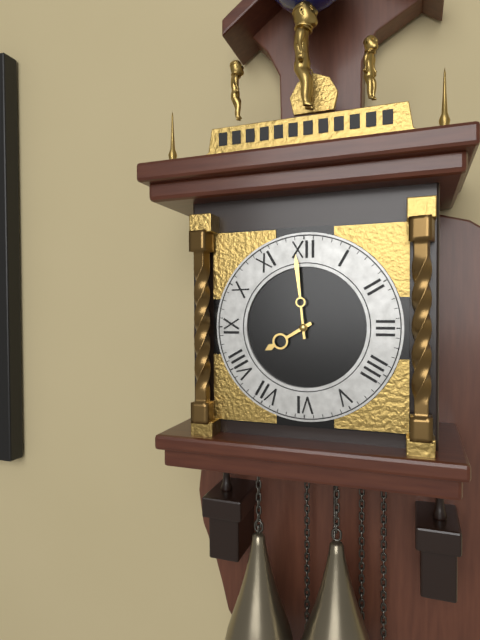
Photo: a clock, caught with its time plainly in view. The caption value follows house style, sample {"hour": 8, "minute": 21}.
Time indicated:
{"hour": 7, "minute": 59}
